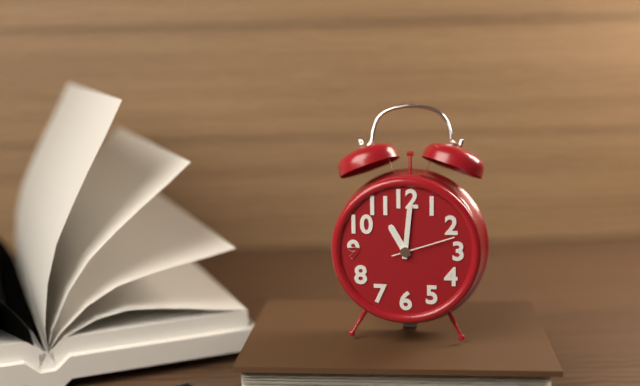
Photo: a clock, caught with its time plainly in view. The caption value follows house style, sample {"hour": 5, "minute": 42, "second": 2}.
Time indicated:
{"hour": 11, "minute": 1, "second": 12}
